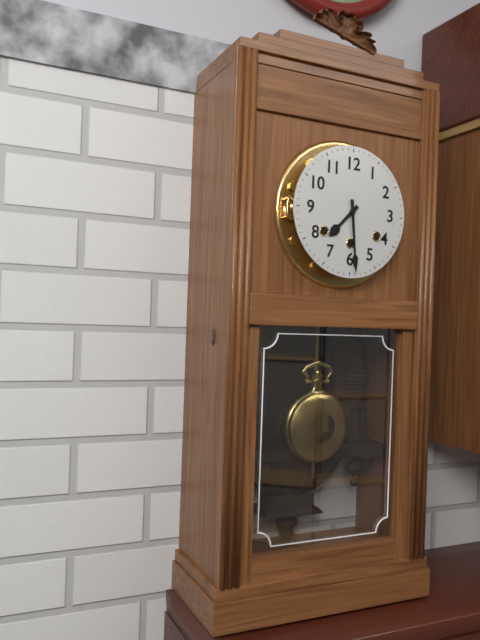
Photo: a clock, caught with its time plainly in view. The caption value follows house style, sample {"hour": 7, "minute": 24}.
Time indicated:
{"hour": 7, "minute": 29}
